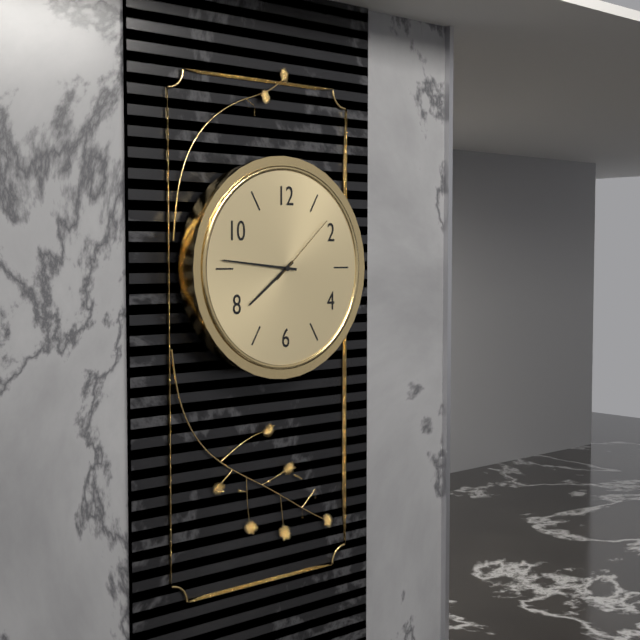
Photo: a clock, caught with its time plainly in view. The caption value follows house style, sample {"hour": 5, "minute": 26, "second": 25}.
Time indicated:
{"hour": 7, "minute": 46, "second": 8}
